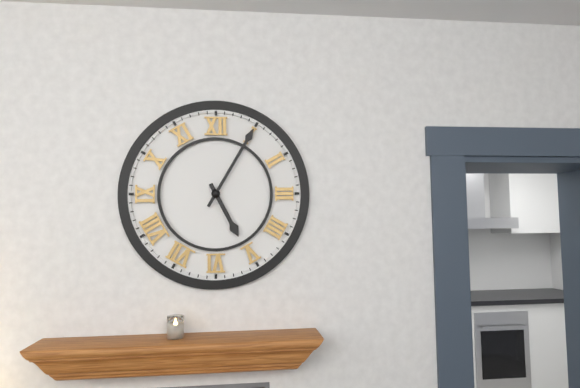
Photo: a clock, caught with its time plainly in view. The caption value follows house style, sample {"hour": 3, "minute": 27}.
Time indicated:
{"hour": 5, "minute": 5}
